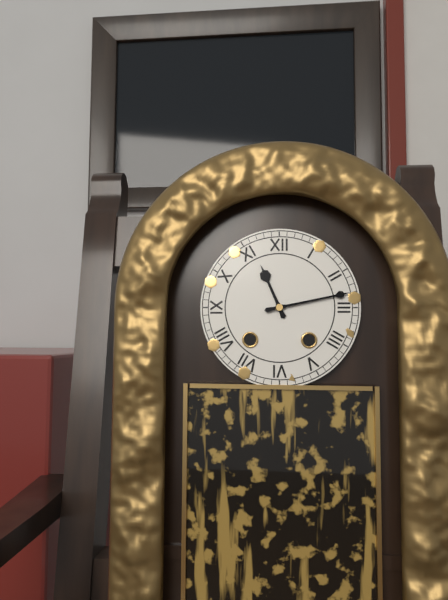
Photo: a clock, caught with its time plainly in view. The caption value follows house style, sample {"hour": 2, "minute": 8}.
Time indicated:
{"hour": 11, "minute": 13}
